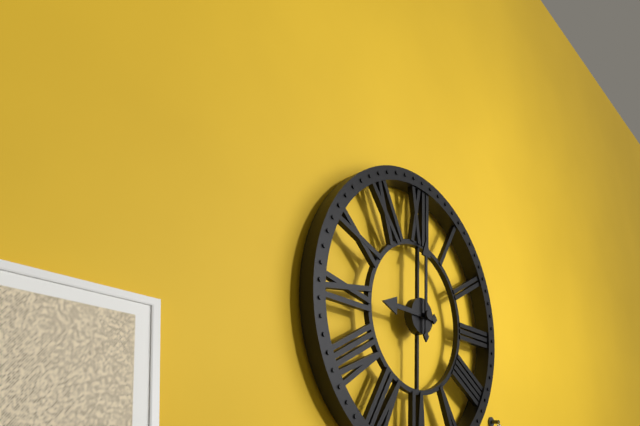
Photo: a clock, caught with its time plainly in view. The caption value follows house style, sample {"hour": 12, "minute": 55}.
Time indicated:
{"hour": 9, "minute": 0}
